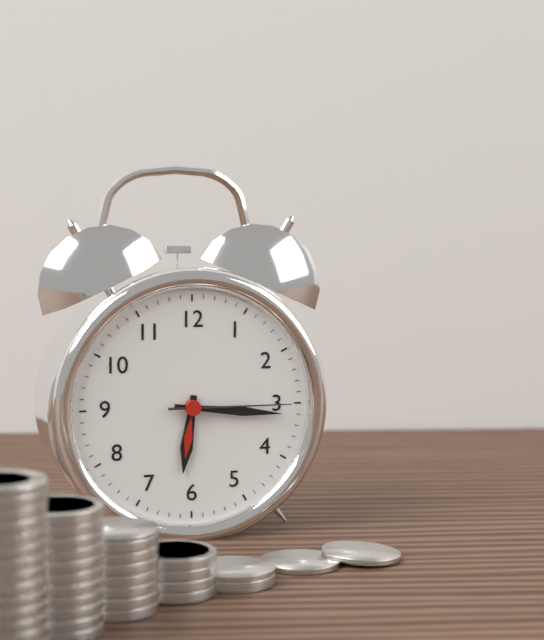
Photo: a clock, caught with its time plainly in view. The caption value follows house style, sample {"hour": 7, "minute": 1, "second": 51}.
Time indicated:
{"hour": 6, "minute": 16, "second": 15}
